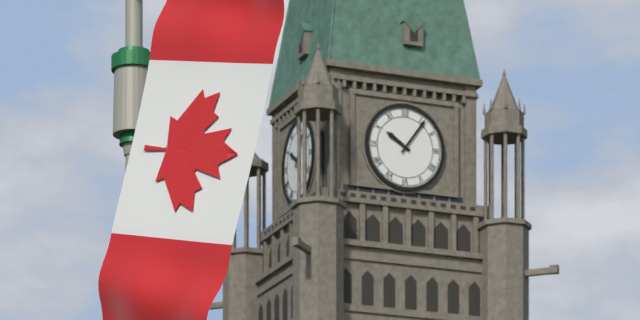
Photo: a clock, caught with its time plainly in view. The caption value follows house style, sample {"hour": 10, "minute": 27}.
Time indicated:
{"hour": 10, "minute": 6}
